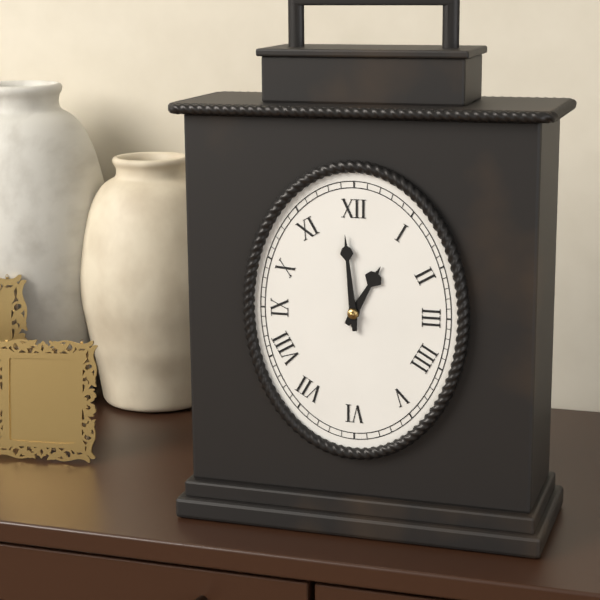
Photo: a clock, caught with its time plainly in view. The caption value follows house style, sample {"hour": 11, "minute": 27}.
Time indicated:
{"hour": 12, "minute": 59}
